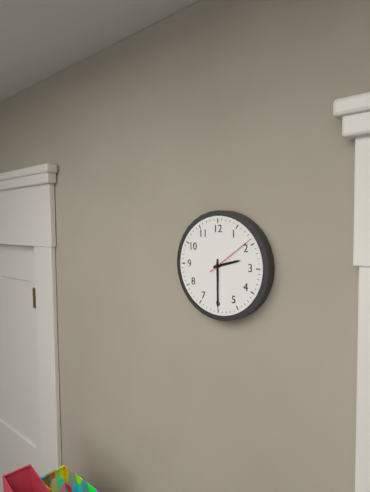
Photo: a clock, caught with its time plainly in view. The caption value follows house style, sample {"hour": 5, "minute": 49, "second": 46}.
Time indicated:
{"hour": 2, "minute": 30, "second": 9}
